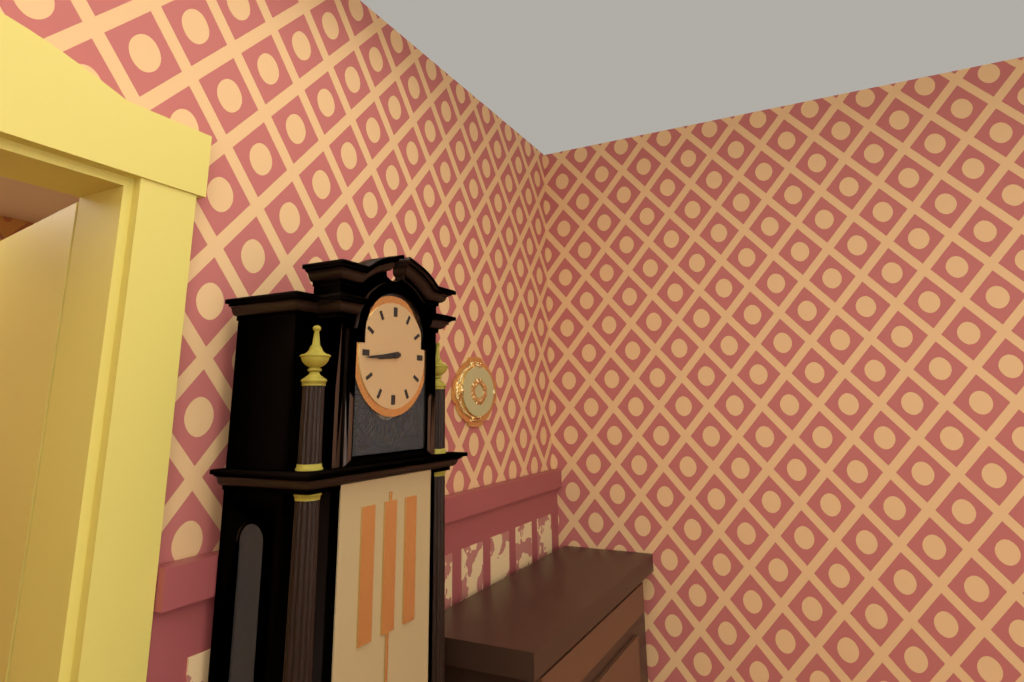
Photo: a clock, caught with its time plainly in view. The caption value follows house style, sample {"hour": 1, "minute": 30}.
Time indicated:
{"hour": 8, "minute": 44}
